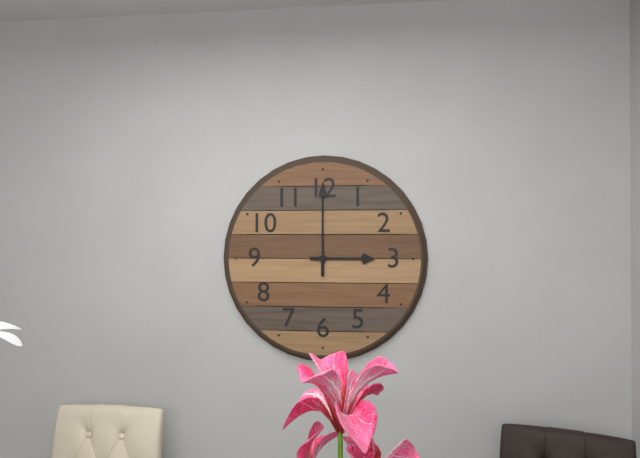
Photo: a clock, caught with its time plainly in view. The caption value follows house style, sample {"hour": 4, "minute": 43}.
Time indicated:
{"hour": 3, "minute": 0}
